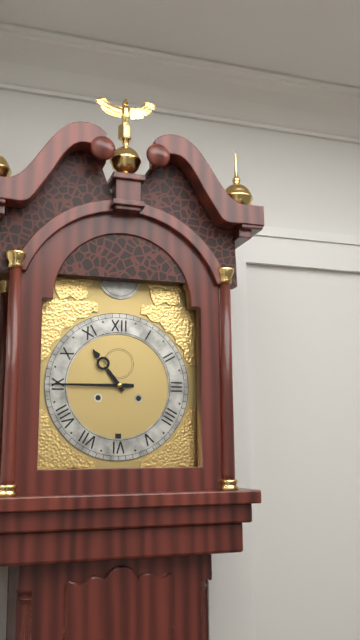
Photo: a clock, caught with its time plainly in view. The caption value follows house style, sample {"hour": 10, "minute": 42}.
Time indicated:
{"hour": 10, "minute": 45}
